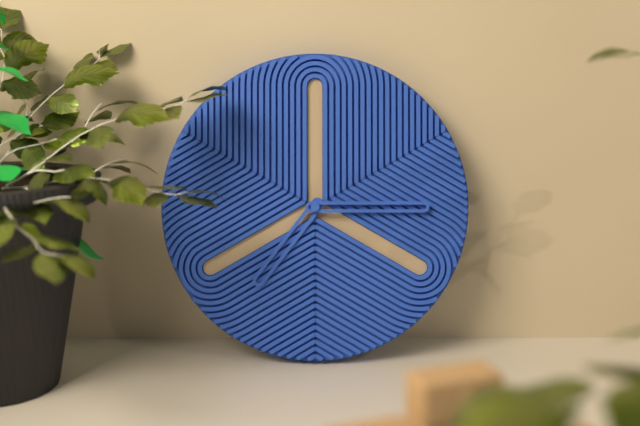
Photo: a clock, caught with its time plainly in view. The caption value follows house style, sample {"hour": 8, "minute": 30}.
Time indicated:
{"hour": 7, "minute": 15}
